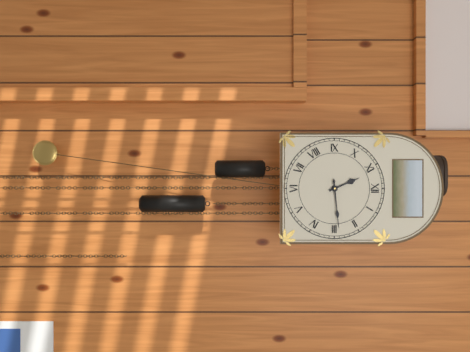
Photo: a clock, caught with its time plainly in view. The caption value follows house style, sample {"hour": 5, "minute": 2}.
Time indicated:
{"hour": 11, "minute": 14}
